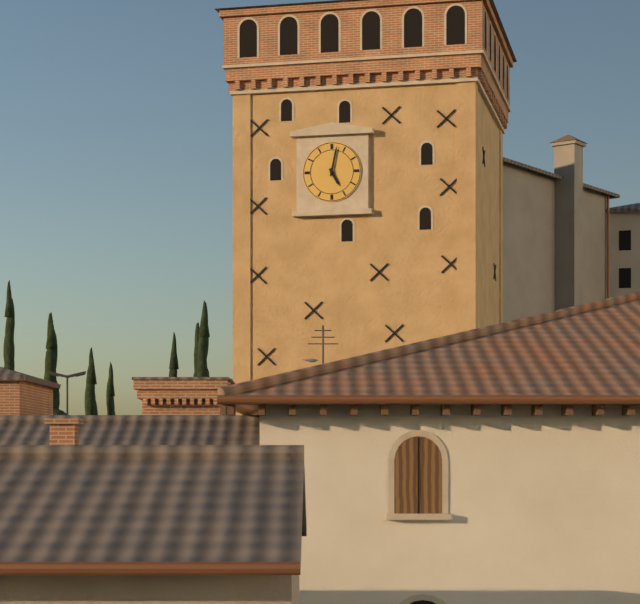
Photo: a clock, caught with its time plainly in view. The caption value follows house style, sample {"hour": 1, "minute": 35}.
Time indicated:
{"hour": 5, "minute": 2}
